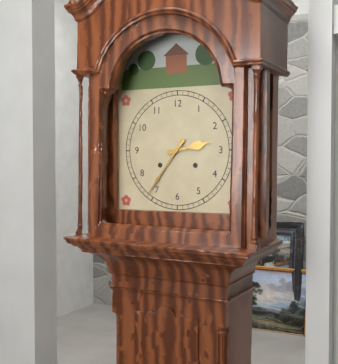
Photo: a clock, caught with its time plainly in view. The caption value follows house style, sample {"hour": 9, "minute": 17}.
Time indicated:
{"hour": 2, "minute": 36}
